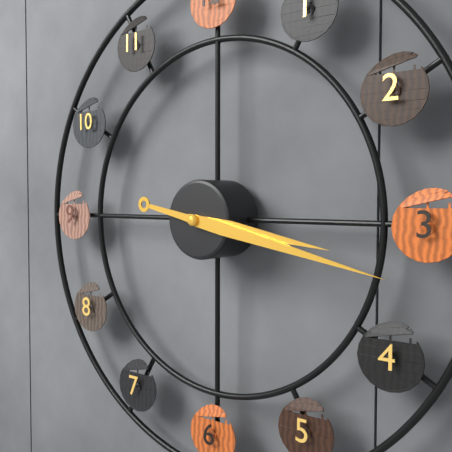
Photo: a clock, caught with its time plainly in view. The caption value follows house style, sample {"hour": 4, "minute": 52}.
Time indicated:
{"hour": 3, "minute": 17}
